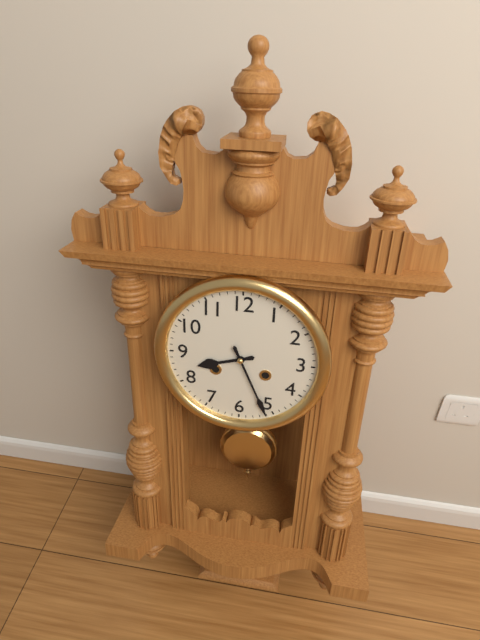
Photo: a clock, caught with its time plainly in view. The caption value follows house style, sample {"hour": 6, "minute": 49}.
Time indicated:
{"hour": 8, "minute": 26}
